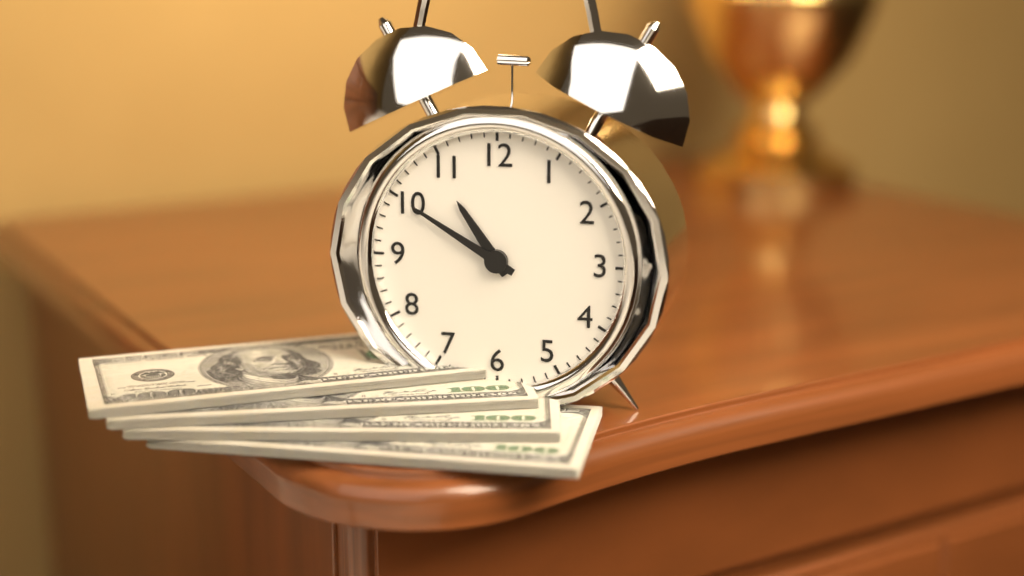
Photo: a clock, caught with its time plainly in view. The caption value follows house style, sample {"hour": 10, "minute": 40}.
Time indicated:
{"hour": 10, "minute": 50}
